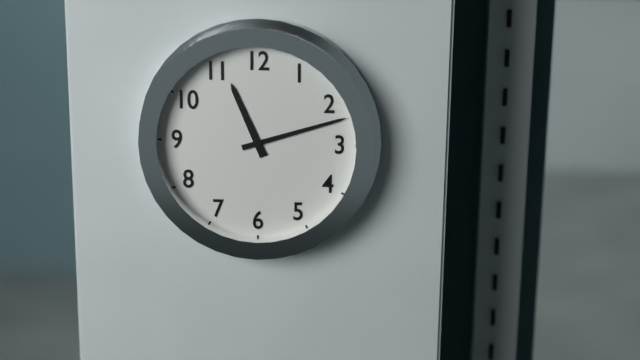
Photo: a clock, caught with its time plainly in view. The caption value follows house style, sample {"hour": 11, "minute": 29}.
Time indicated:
{"hour": 11, "minute": 12}
